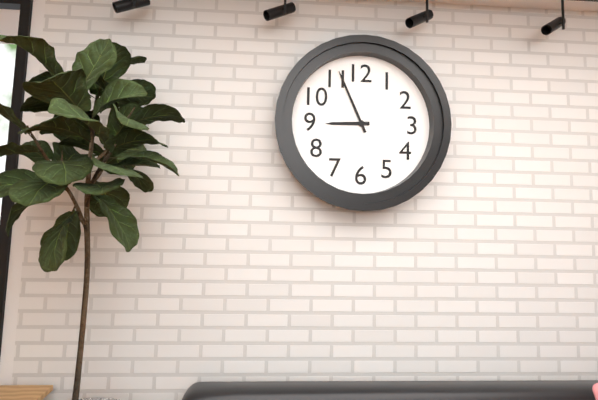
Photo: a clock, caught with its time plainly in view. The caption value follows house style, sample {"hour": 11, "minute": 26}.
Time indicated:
{"hour": 8, "minute": 56}
